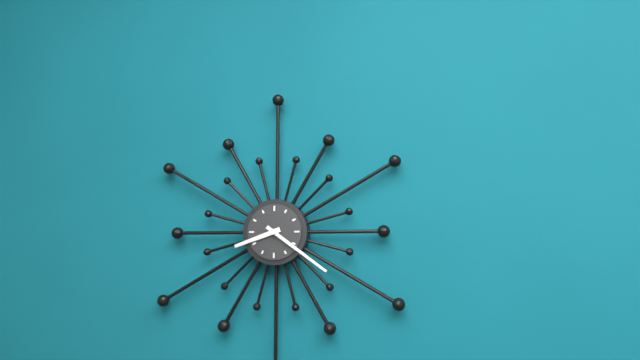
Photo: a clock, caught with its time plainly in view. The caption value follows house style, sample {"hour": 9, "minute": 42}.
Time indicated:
{"hour": 8, "minute": 21}
